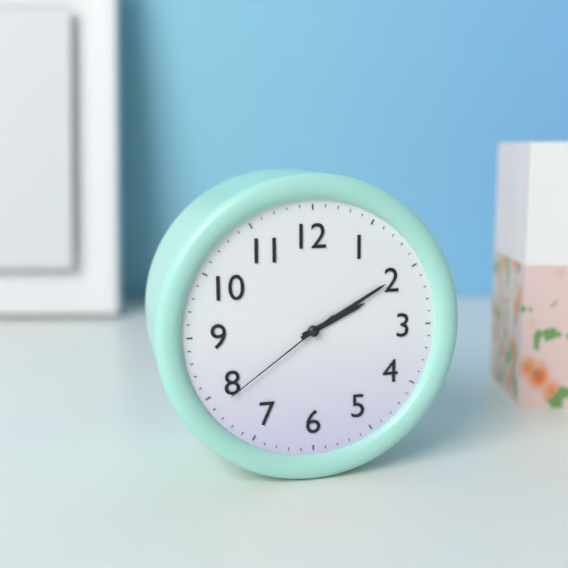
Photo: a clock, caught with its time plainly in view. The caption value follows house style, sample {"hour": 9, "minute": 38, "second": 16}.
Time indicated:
{"hour": 2, "minute": 10, "second": 39}
